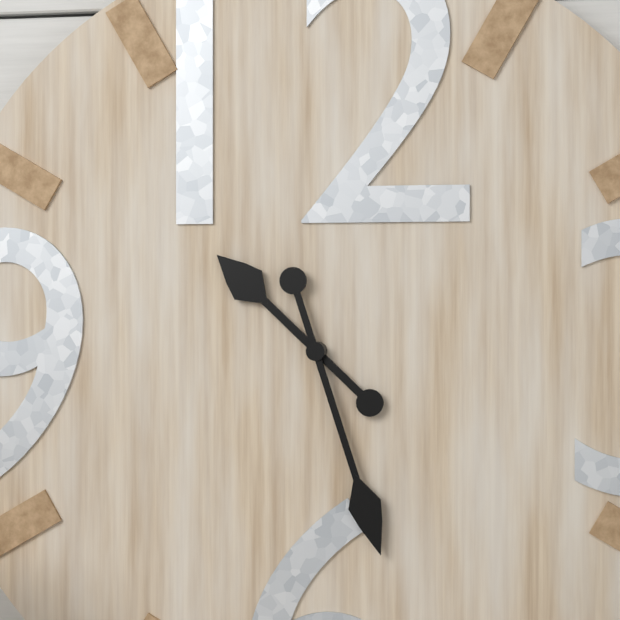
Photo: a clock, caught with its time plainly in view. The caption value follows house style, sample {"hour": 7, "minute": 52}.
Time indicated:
{"hour": 10, "minute": 27}
